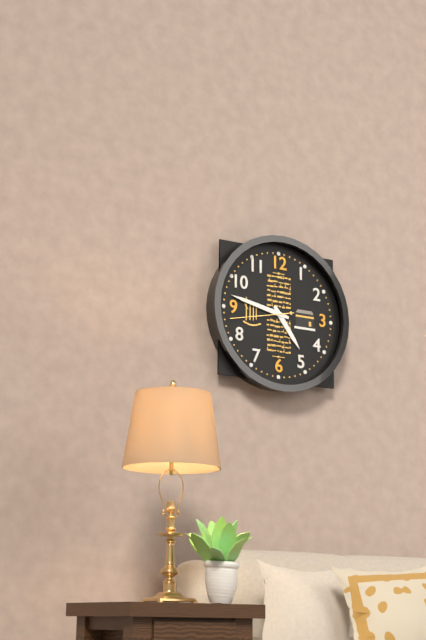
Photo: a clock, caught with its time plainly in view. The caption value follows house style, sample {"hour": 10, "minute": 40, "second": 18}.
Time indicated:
{"hour": 4, "minute": 47, "second": 43}
